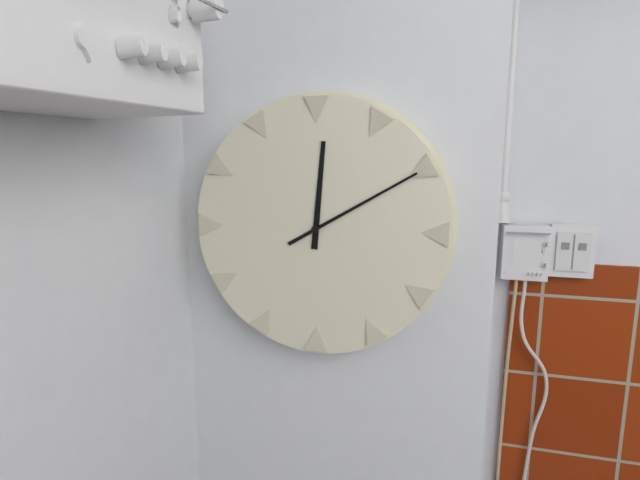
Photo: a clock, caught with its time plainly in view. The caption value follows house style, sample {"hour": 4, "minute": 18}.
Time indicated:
{"hour": 12, "minute": 10}
